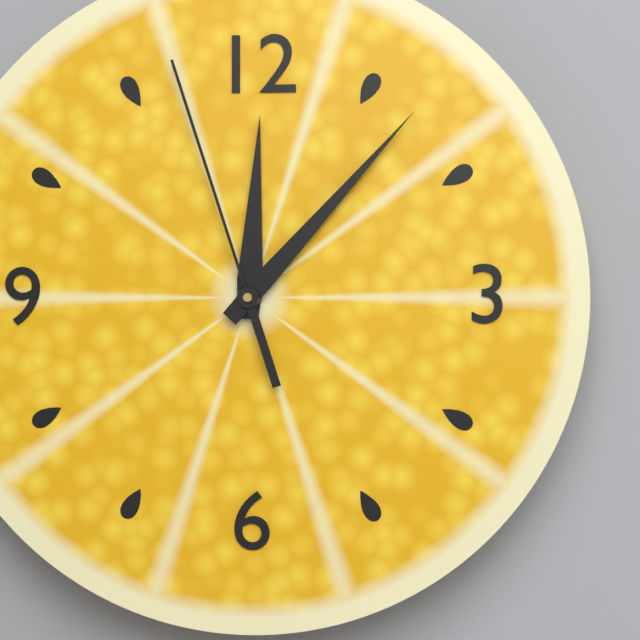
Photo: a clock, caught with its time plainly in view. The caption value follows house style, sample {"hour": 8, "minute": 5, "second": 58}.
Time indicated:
{"hour": 12, "minute": 7, "second": 57}
